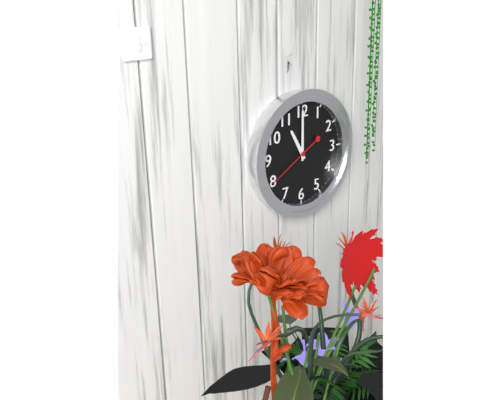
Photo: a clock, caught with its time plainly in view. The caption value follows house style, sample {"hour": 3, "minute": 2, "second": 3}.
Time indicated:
{"hour": 11, "minute": 0, "second": 40}
